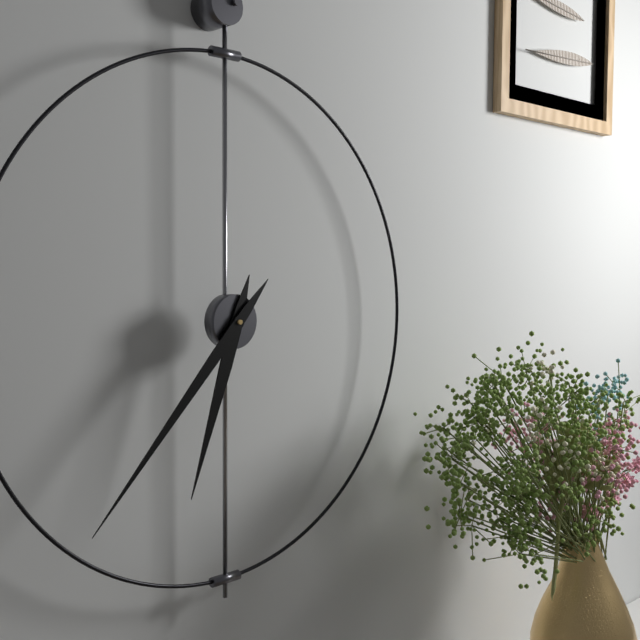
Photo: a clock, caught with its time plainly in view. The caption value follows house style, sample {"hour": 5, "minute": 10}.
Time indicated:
{"hour": 6, "minute": 37}
